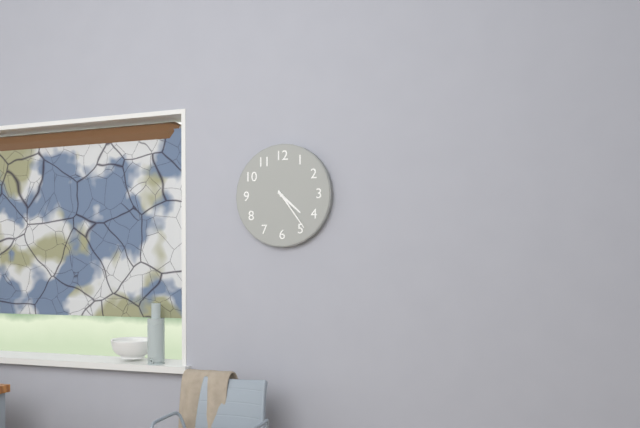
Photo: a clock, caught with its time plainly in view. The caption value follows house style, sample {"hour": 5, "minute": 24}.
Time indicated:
{"hour": 4, "minute": 24}
